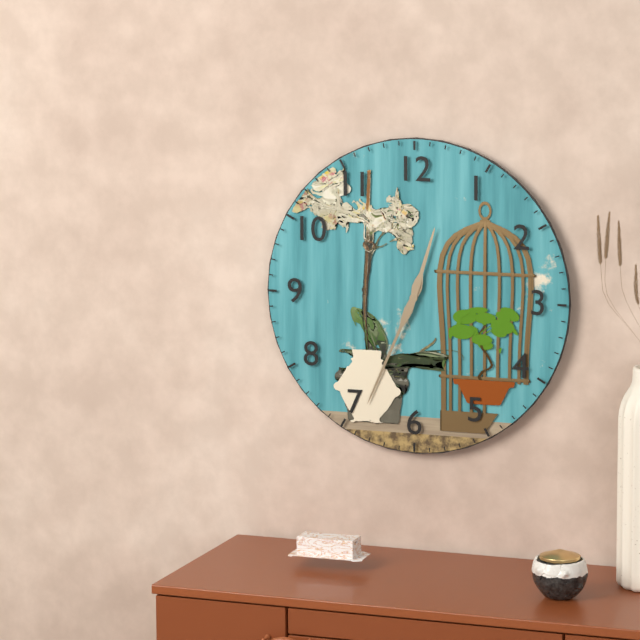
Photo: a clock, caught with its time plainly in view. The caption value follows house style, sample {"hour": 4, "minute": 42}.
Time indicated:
{"hour": 12, "minute": 34}
